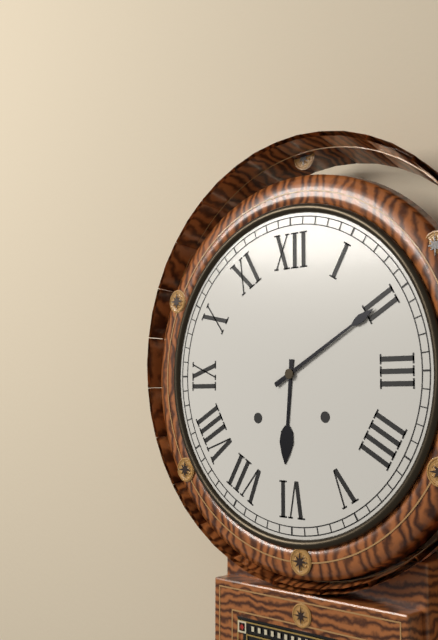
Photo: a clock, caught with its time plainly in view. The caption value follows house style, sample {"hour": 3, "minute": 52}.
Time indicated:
{"hour": 6, "minute": 10}
